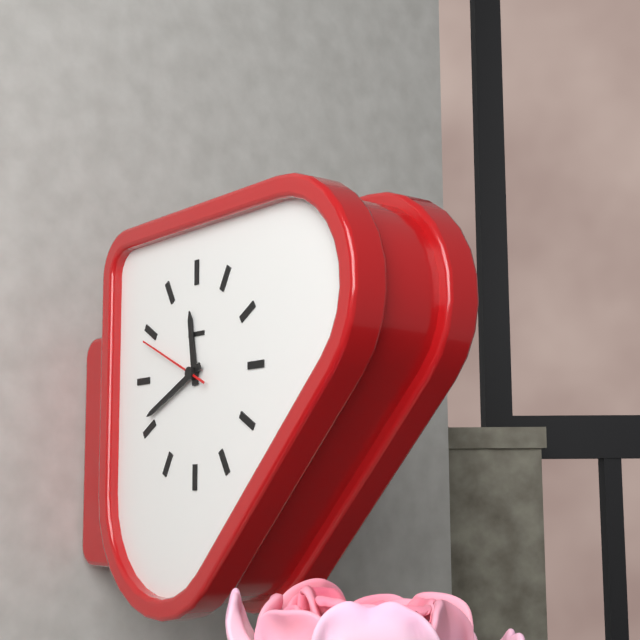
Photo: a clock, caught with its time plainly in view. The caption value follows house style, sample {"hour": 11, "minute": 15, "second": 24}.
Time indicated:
{"hour": 11, "minute": 41, "second": 49}
